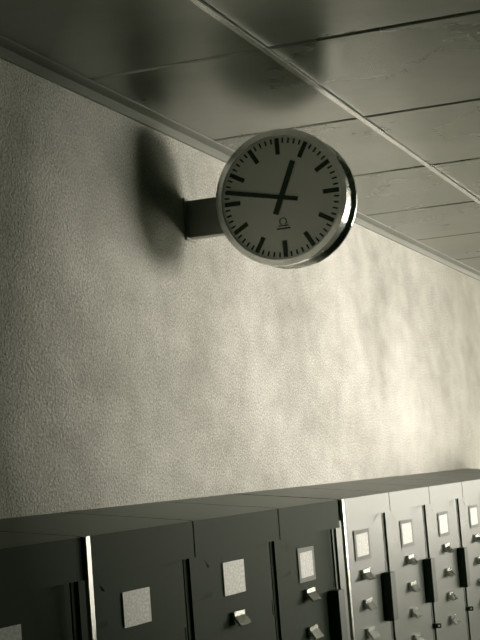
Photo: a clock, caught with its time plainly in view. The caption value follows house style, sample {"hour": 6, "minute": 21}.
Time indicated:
{"hour": 12, "minute": 47}
